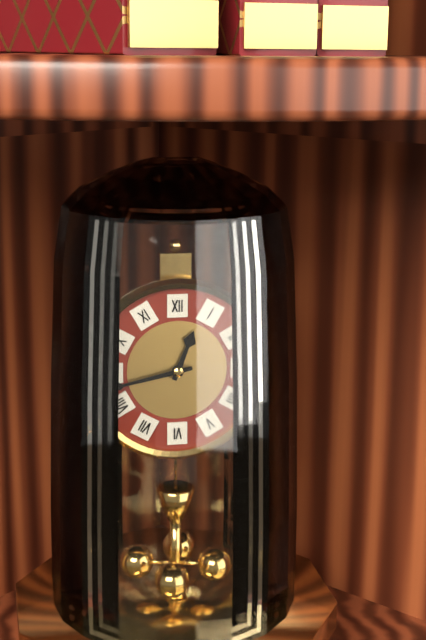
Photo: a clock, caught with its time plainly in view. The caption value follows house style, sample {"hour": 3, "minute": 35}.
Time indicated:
{"hour": 12, "minute": 43}
